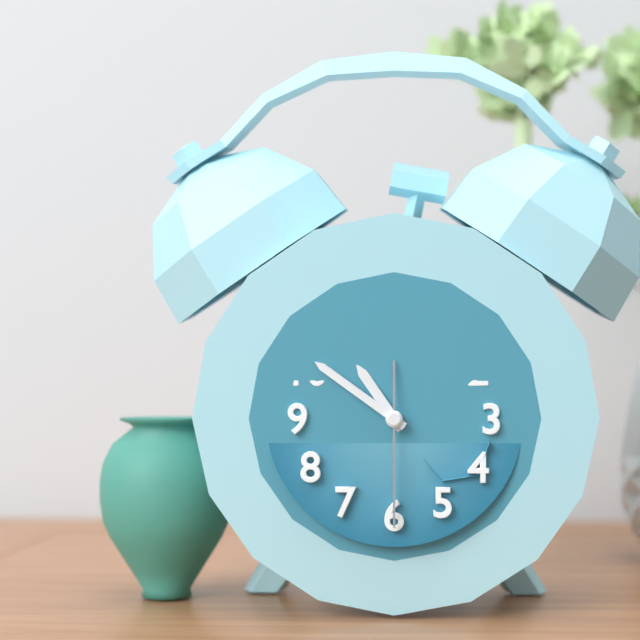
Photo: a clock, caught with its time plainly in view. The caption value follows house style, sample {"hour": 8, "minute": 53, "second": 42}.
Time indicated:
{"hour": 10, "minute": 51, "second": 30}
